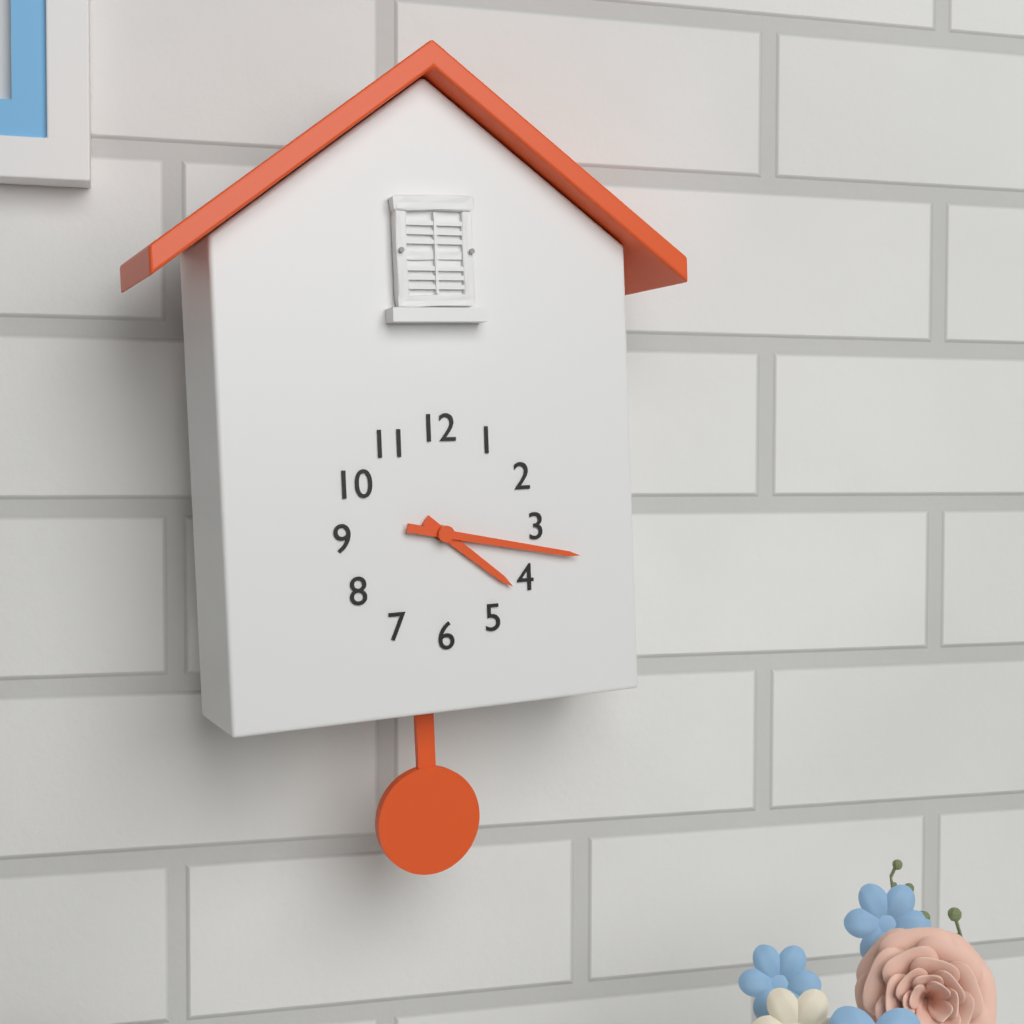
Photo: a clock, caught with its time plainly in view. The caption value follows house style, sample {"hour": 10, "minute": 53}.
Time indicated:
{"hour": 4, "minute": 17}
